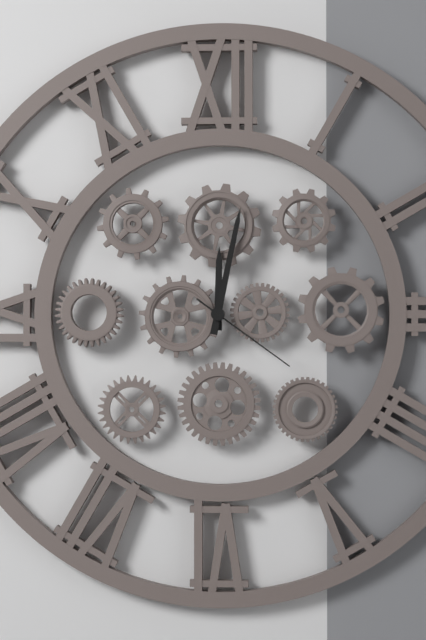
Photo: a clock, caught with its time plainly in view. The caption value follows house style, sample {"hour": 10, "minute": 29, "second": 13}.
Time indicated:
{"hour": 12, "minute": 2, "second": 21}
